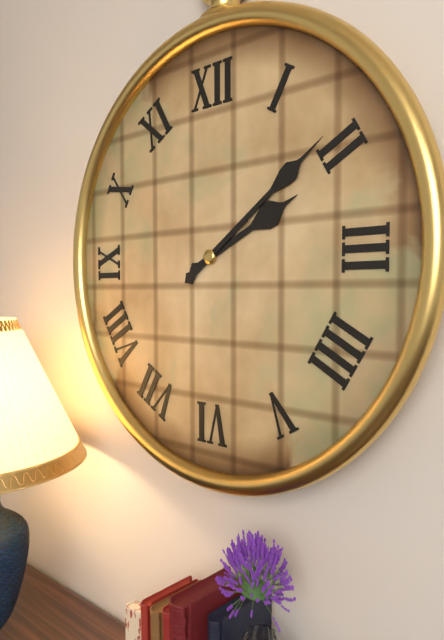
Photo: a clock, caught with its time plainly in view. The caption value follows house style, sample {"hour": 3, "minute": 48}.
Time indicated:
{"hour": 2, "minute": 9}
